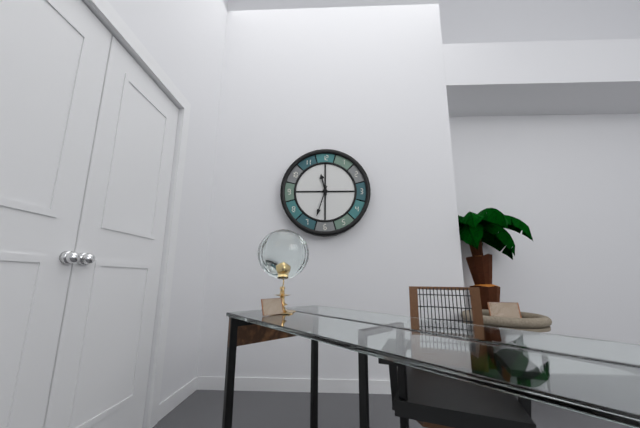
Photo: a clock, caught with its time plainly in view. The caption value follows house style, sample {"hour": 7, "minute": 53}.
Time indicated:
{"hour": 11, "minute": 33}
